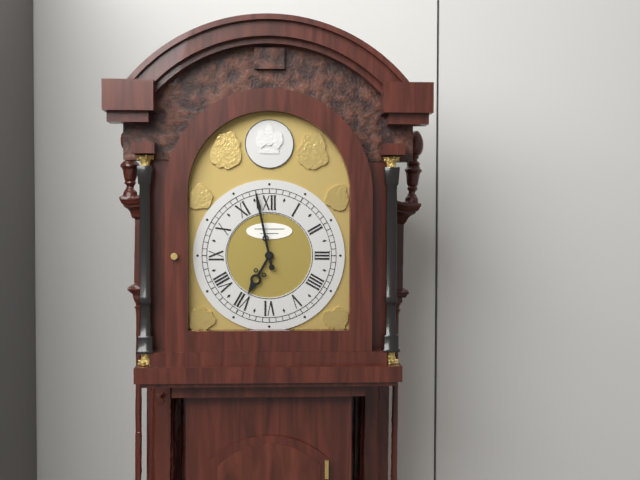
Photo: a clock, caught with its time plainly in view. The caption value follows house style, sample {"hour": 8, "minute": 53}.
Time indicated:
{"hour": 6, "minute": 58}
